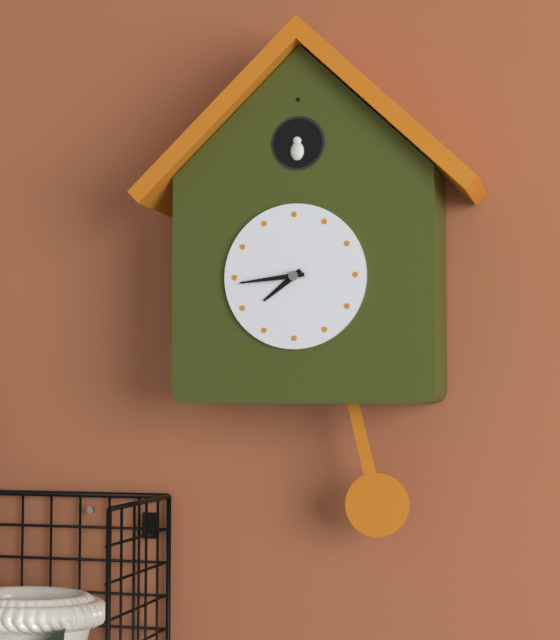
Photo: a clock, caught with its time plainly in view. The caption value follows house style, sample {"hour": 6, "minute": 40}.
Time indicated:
{"hour": 7, "minute": 44}
